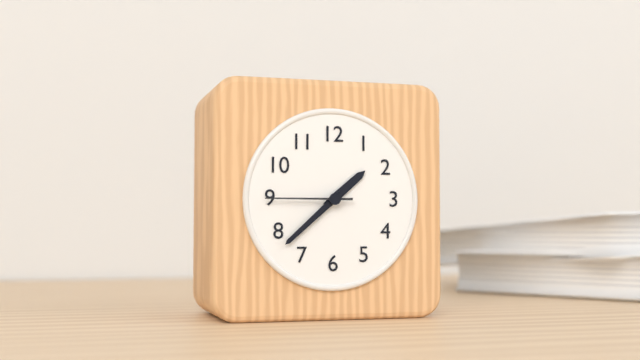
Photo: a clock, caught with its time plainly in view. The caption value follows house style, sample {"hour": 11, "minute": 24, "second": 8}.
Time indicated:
{"hour": 1, "minute": 38, "second": 45}
